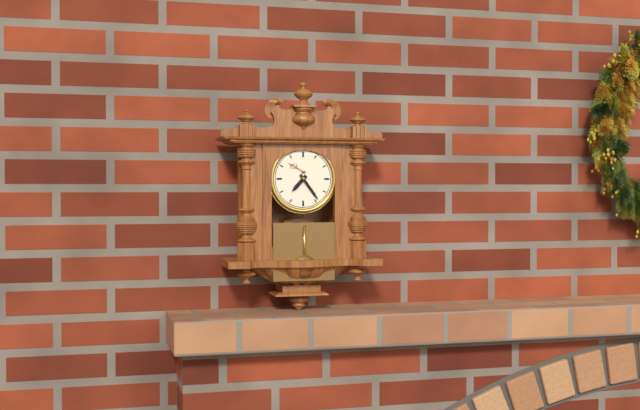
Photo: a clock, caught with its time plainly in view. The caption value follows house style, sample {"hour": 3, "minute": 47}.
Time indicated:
{"hour": 7, "minute": 24}
